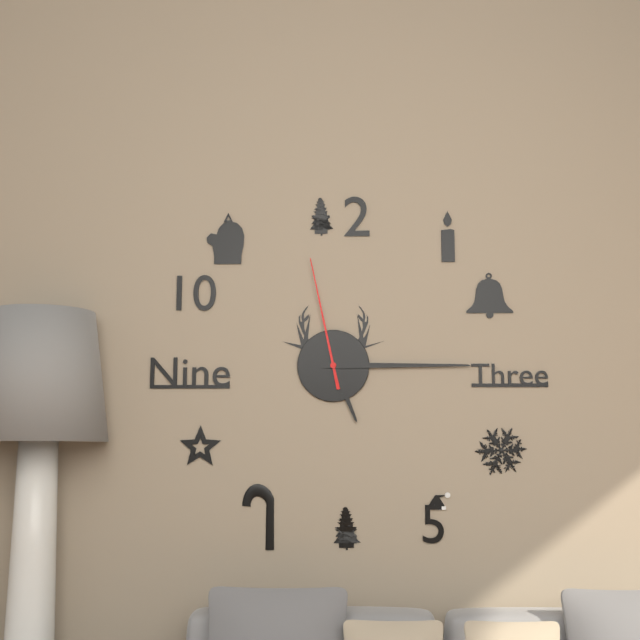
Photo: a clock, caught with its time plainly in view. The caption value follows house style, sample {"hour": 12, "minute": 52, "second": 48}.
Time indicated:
{"hour": 5, "minute": 15, "second": 58}
